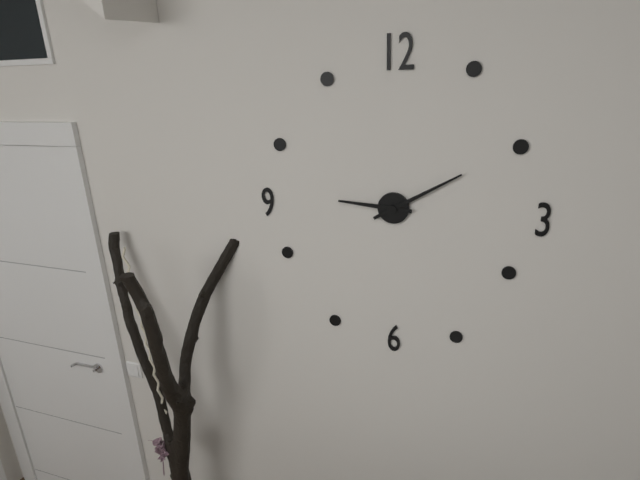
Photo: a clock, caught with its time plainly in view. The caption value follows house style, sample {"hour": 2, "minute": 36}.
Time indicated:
{"hour": 9, "minute": 10}
